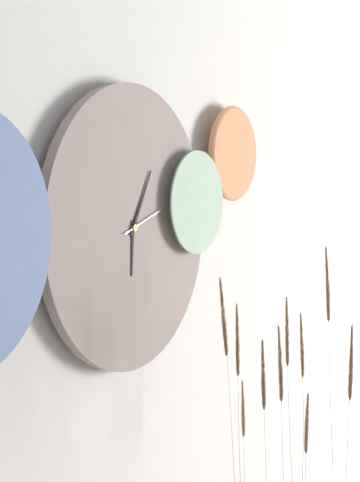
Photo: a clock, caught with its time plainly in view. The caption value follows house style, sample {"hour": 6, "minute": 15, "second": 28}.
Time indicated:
{"hour": 6, "minute": 5, "second": 12}
